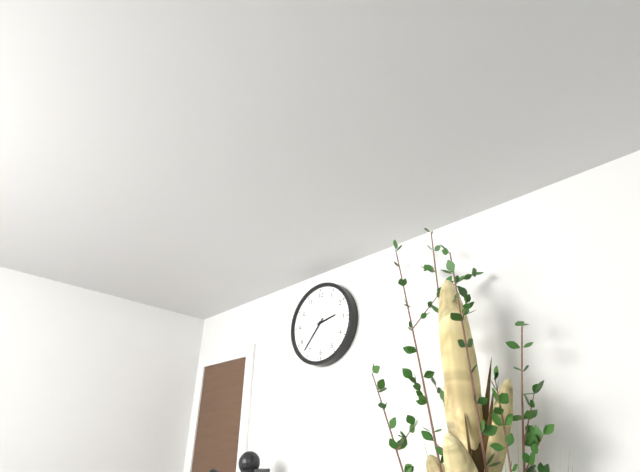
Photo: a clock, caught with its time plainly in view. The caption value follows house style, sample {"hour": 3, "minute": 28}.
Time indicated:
{"hour": 2, "minute": 37}
